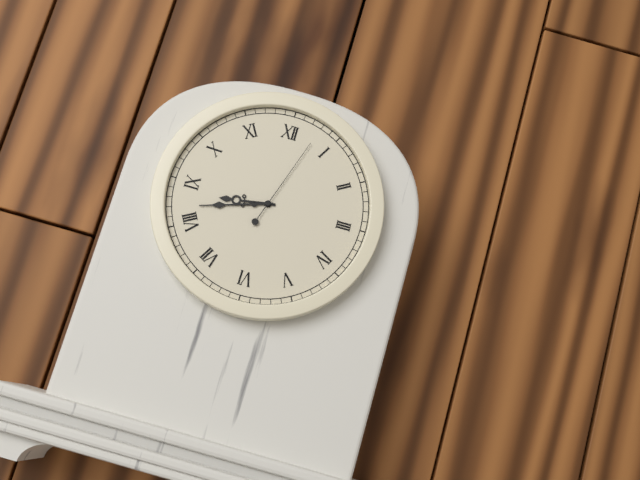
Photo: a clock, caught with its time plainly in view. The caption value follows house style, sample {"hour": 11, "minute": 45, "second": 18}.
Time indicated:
{"hour": 8, "minute": 42, "second": 3}
